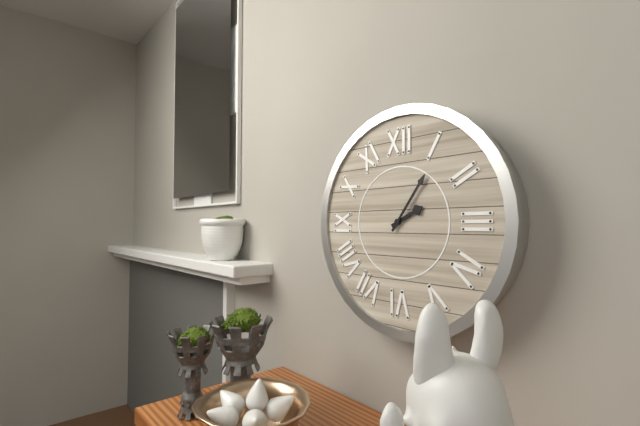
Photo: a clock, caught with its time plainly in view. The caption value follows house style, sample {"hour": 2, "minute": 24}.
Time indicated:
{"hour": 2, "minute": 6}
